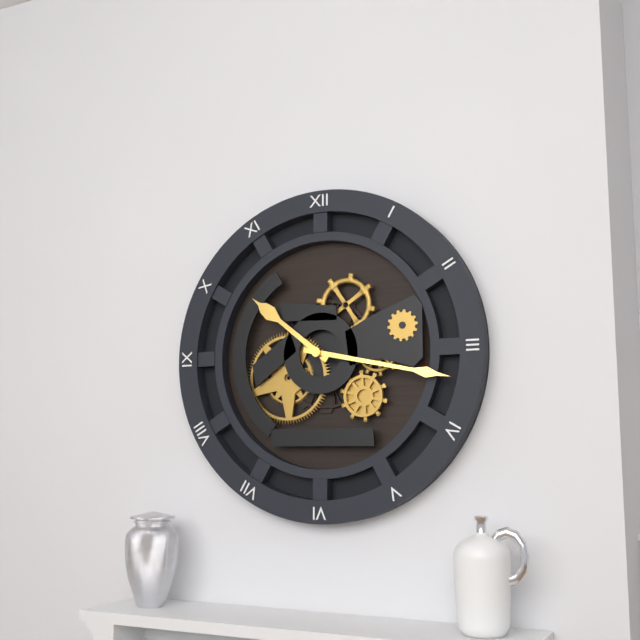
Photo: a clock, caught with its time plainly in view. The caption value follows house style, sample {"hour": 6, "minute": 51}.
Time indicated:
{"hour": 10, "minute": 17}
